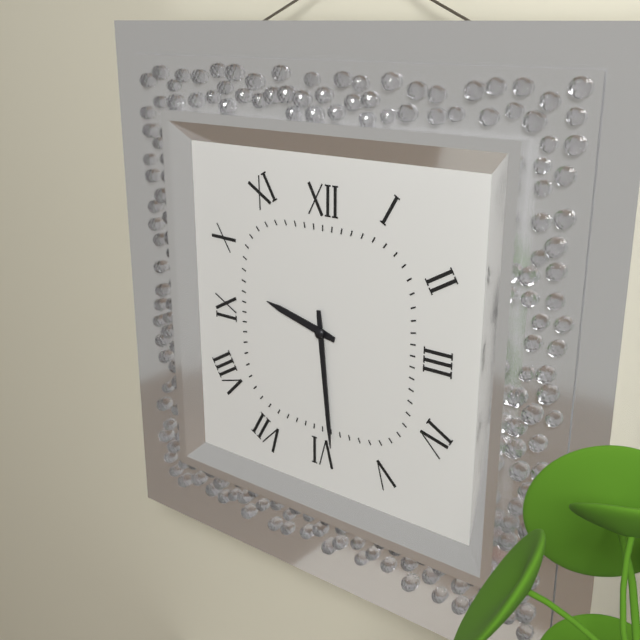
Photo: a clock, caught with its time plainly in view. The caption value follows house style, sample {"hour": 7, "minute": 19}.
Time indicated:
{"hour": 9, "minute": 29}
